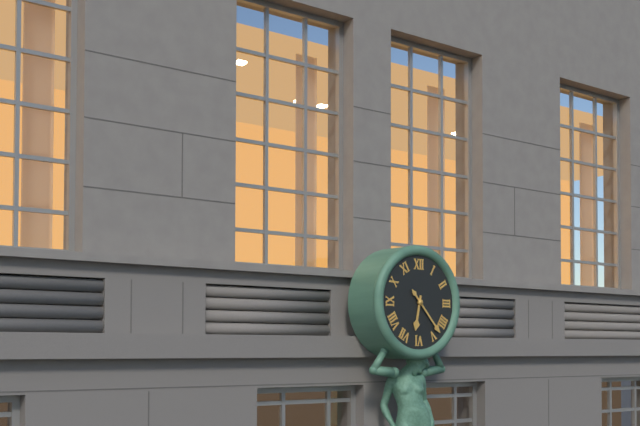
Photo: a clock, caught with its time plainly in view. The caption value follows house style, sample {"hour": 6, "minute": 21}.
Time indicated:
{"hour": 6, "minute": 23}
